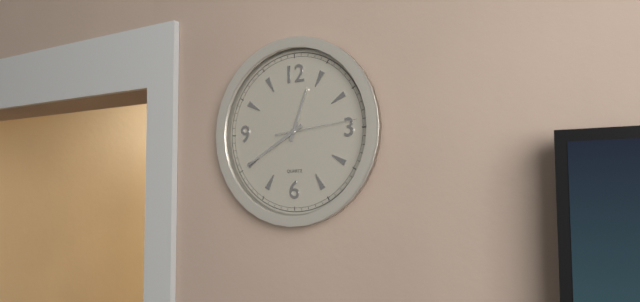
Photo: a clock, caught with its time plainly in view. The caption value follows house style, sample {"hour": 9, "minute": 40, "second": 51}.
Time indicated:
{"hour": 12, "minute": 40, "second": 14}
